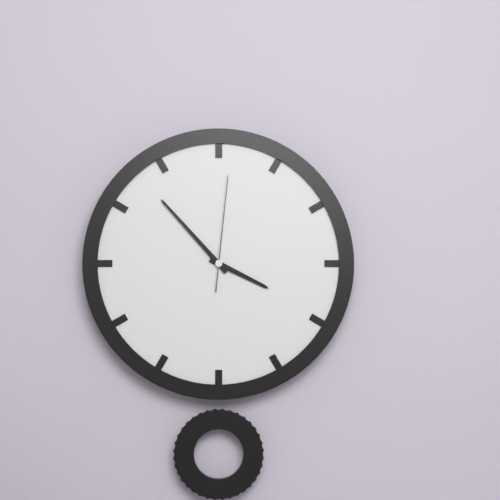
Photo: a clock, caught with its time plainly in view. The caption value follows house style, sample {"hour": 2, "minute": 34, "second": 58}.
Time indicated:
{"hour": 3, "minute": 53, "second": 1}
